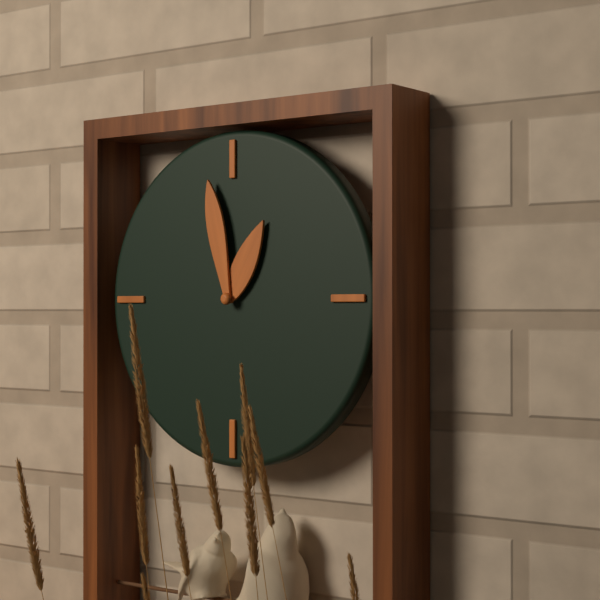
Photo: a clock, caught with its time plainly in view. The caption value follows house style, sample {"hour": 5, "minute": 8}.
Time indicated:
{"hour": 12, "minute": 58}
